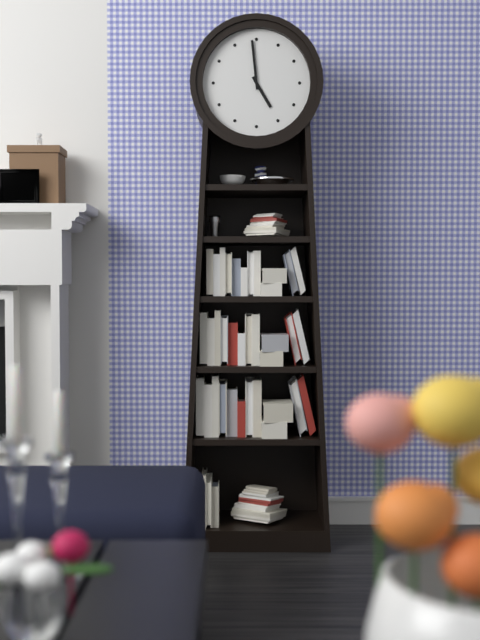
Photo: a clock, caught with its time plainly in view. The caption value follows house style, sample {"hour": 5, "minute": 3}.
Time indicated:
{"hour": 4, "minute": 59}
